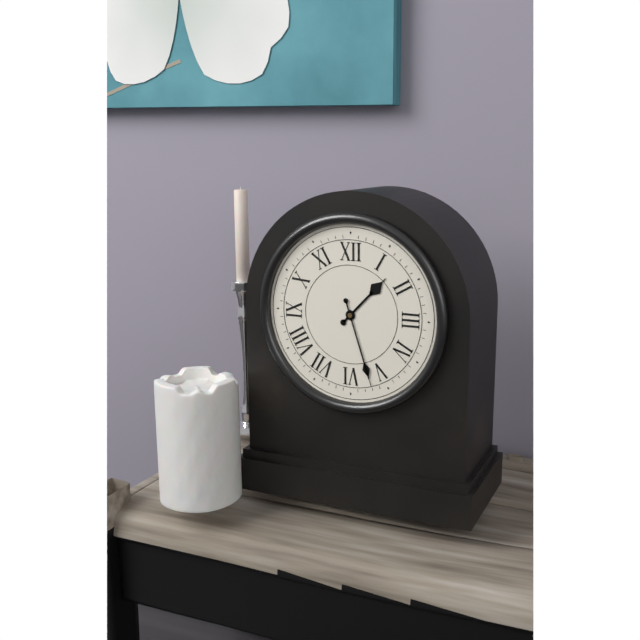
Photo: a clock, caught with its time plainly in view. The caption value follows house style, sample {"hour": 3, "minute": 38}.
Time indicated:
{"hour": 1, "minute": 27}
